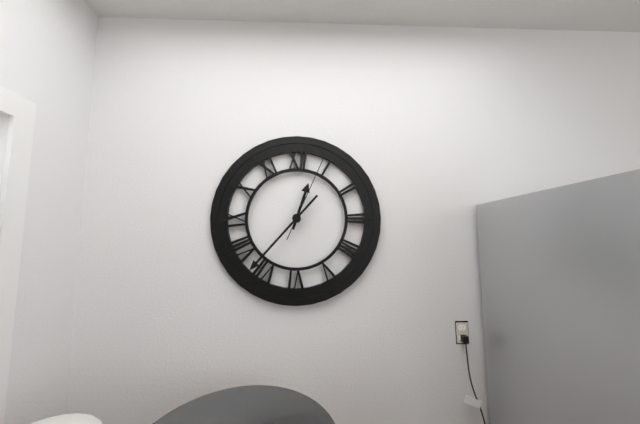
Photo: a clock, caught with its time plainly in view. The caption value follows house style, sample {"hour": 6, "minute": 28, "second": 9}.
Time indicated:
{"hour": 12, "minute": 37, "second": 4}
